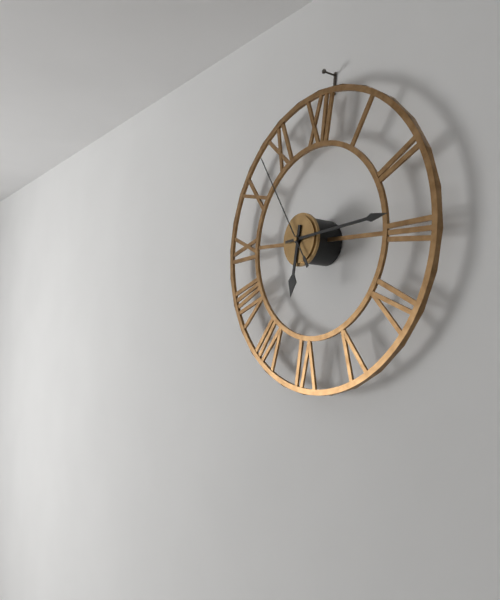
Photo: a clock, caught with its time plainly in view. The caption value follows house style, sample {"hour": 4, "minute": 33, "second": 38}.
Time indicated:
{"hour": 6, "minute": 14, "second": 54}
